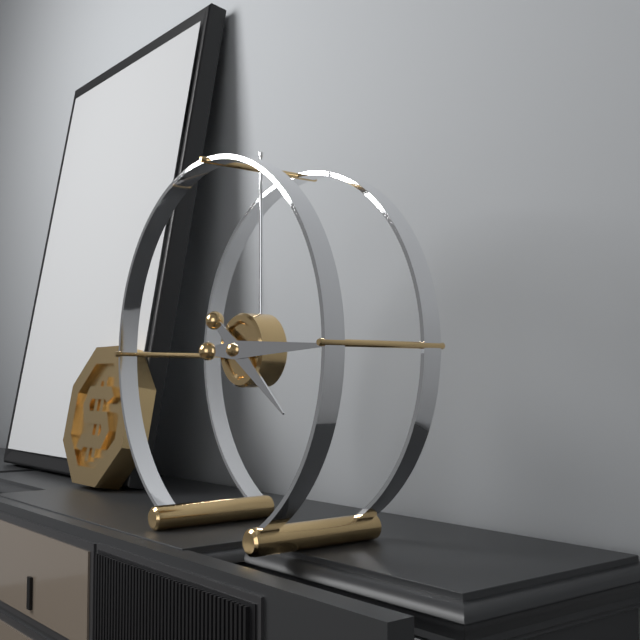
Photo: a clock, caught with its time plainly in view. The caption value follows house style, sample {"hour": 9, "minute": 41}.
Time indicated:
{"hour": 4, "minute": 15}
